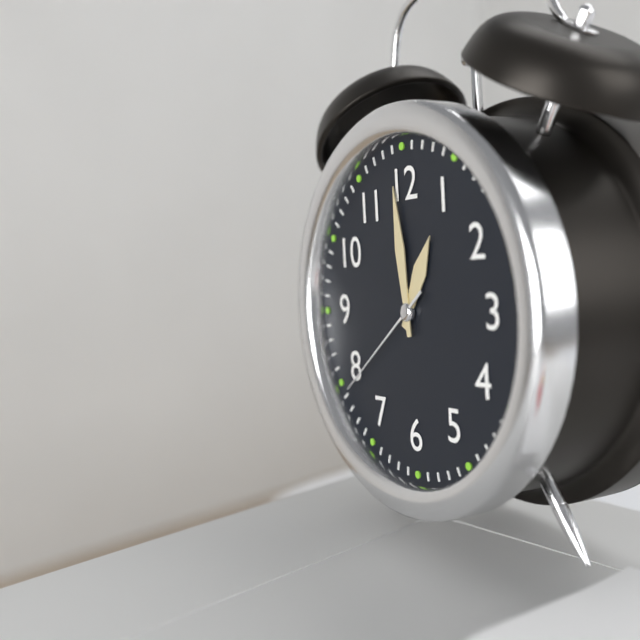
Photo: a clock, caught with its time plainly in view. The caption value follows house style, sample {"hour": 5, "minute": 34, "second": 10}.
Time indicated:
{"hour": 12, "minute": 59, "second": 39}
